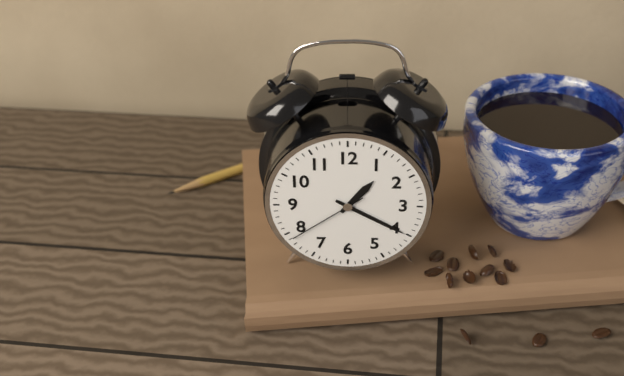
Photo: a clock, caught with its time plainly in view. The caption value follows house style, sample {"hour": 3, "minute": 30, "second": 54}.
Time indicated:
{"hour": 1, "minute": 20, "second": 39}
